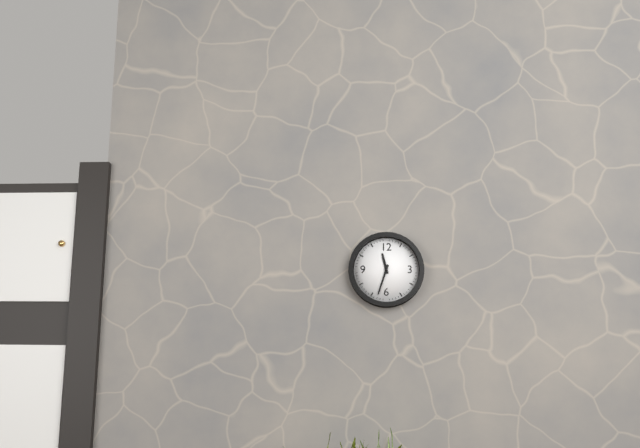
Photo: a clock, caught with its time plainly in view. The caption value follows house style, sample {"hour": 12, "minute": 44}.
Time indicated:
{"hour": 11, "minute": 33}
